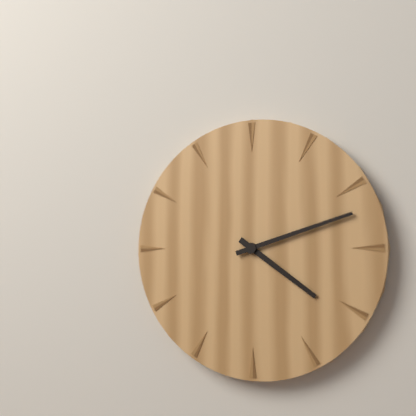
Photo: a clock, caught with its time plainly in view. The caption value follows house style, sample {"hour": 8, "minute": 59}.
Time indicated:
{"hour": 4, "minute": 12}
